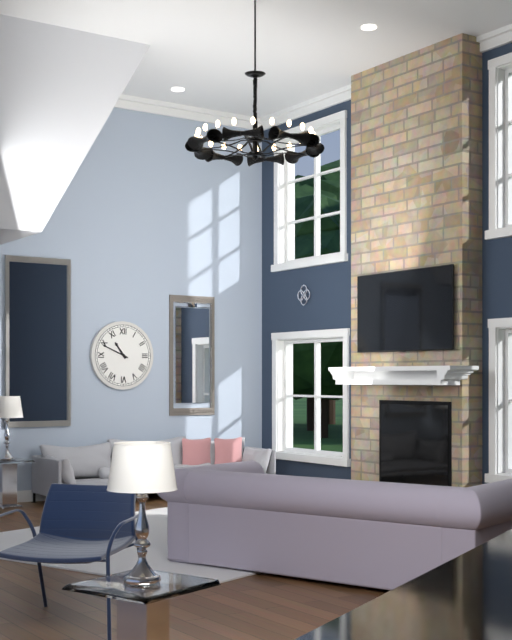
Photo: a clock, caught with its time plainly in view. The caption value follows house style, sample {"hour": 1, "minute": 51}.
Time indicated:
{"hour": 10, "minute": 49}
